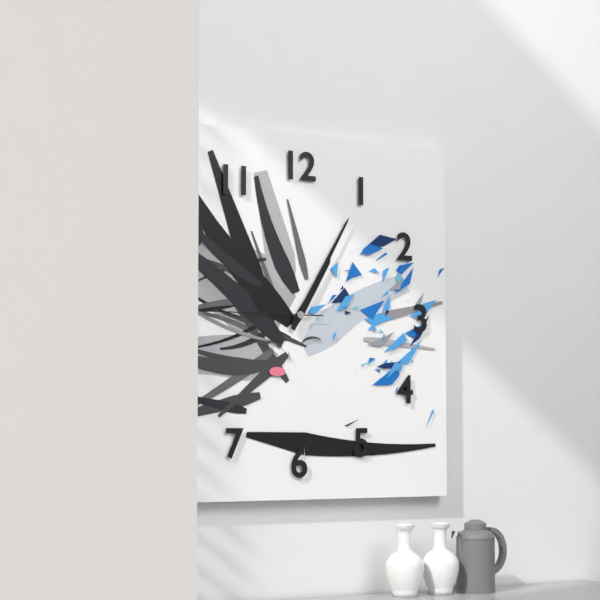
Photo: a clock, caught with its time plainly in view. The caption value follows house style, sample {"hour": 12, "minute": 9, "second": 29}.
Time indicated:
{"hour": 1, "minute": 5, "second": 45}
